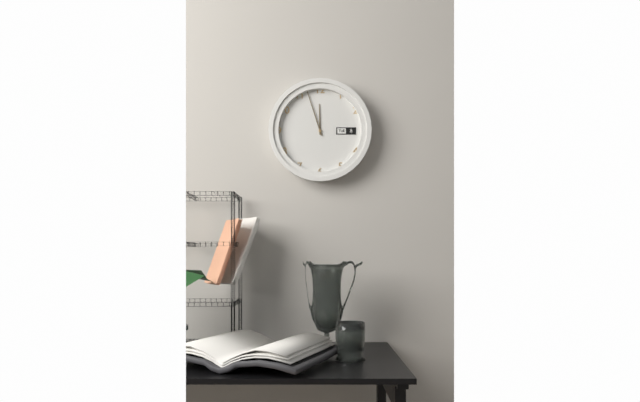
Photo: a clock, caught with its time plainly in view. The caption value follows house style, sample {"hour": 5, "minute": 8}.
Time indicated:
{"hour": 11, "minute": 57}
